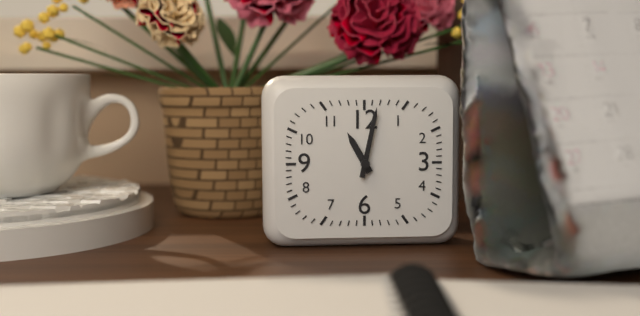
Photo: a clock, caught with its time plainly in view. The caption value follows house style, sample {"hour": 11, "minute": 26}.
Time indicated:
{"hour": 11, "minute": 2}
